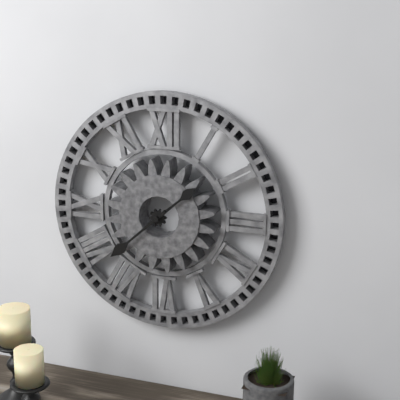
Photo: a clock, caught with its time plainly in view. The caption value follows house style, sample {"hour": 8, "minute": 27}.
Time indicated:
{"hour": 1, "minute": 38}
